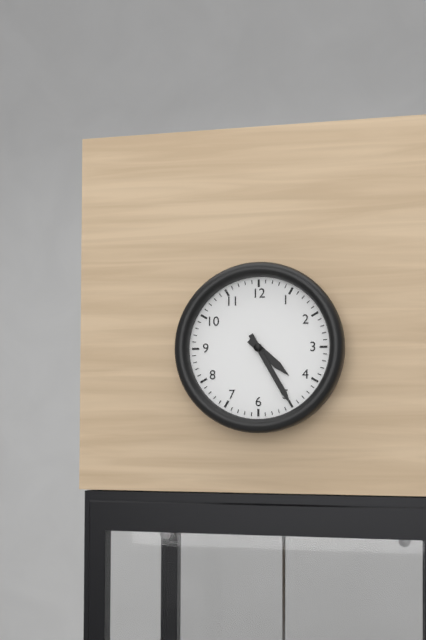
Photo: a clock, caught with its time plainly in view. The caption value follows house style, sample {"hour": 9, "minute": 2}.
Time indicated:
{"hour": 4, "minute": 25}
